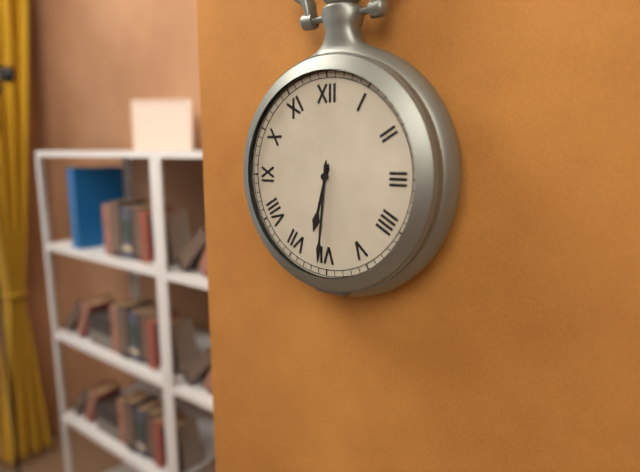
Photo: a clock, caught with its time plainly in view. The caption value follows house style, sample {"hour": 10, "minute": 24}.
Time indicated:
{"hour": 6, "minute": 31}
